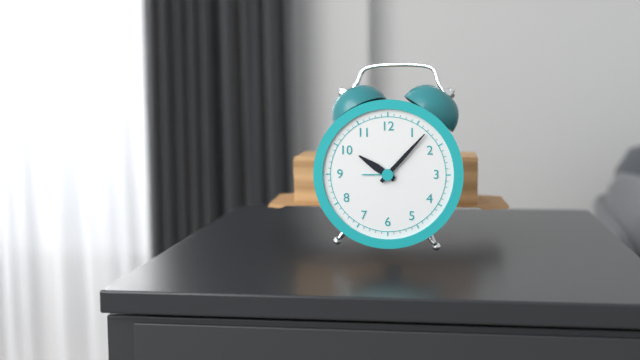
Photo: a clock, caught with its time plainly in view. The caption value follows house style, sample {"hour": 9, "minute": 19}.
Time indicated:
{"hour": 10, "minute": 7}
